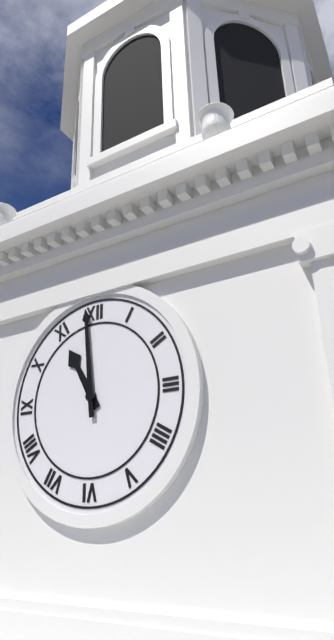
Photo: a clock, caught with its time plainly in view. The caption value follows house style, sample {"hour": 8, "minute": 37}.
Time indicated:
{"hour": 10, "minute": 59}
